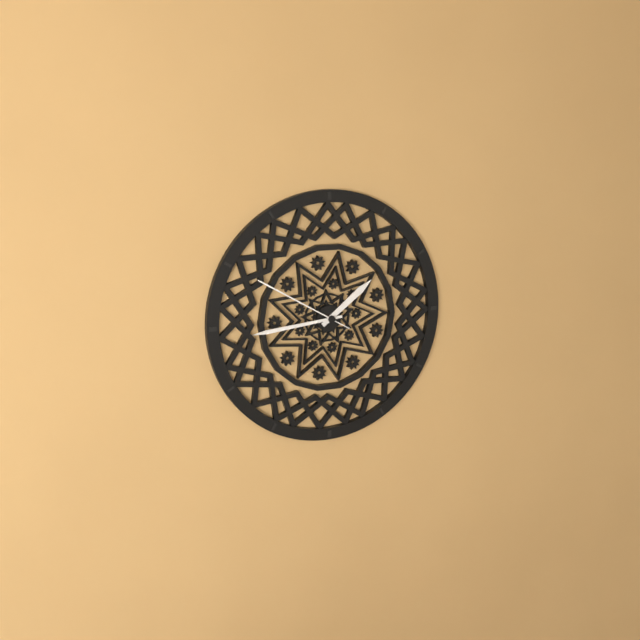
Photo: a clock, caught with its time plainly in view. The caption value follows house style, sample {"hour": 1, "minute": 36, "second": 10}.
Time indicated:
{"hour": 1, "minute": 44, "second": 50}
